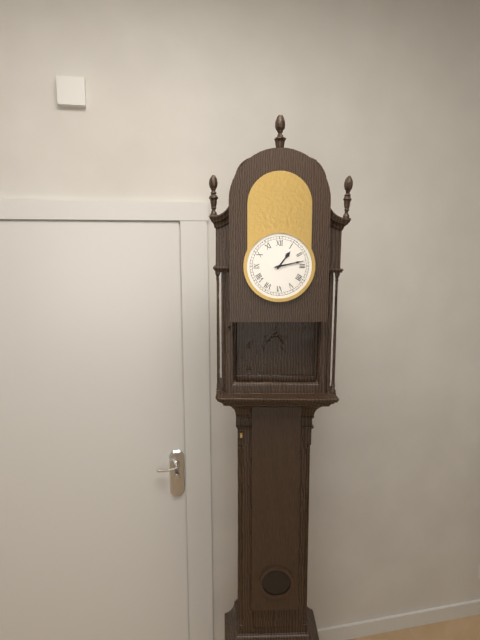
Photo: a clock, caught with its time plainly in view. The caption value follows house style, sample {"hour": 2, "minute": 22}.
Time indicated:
{"hour": 1, "minute": 13}
